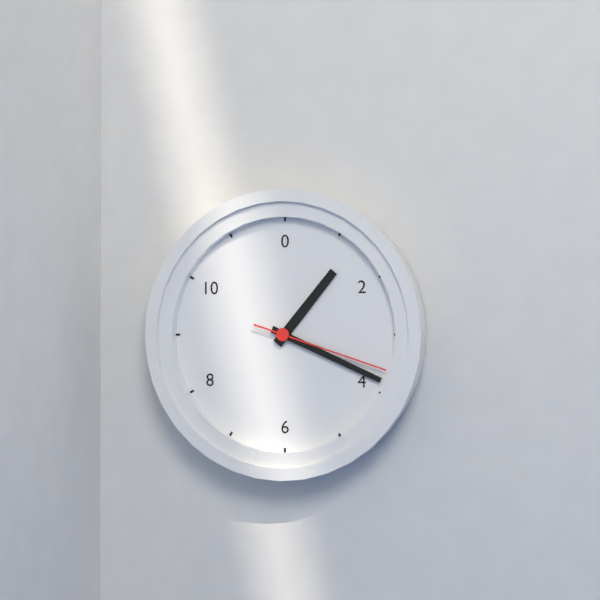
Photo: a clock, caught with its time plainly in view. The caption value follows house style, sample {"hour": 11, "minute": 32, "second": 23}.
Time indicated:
{"hour": 1, "minute": 19, "second": 18}
